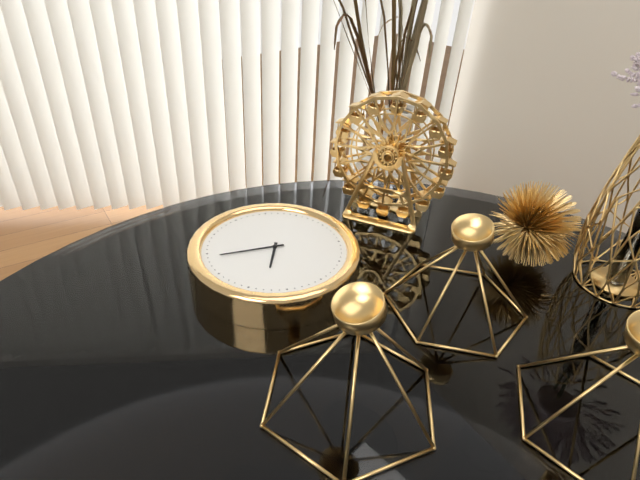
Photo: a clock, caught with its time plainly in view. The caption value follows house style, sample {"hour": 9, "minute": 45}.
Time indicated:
{"hour": 4, "minute": 34}
